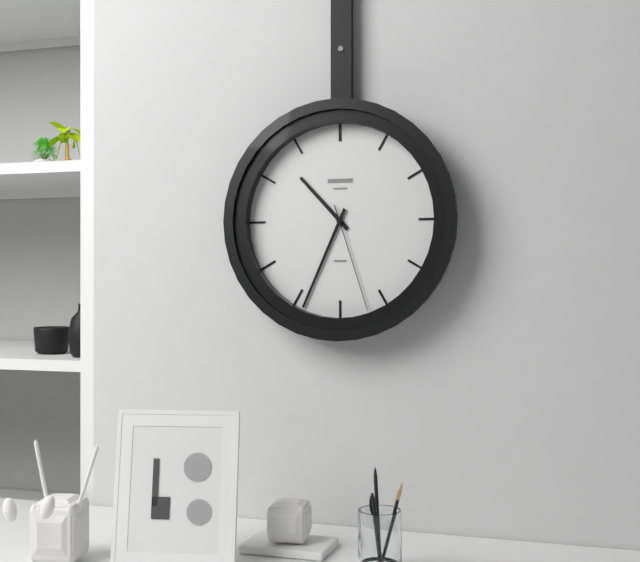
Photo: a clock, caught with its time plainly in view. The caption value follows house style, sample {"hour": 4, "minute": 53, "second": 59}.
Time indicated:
{"hour": 10, "minute": 34, "second": 27}
